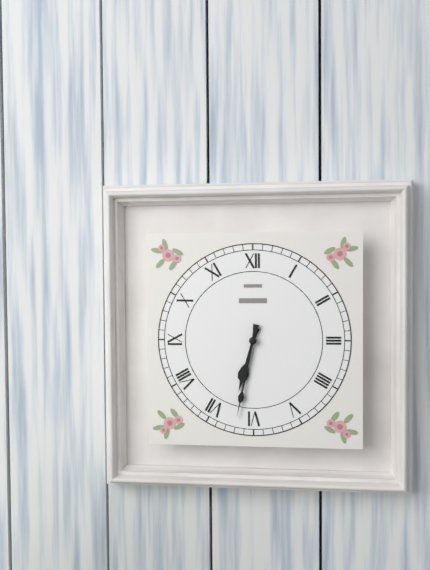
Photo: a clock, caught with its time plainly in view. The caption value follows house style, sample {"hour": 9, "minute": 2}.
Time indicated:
{"hour": 6, "minute": 32}
